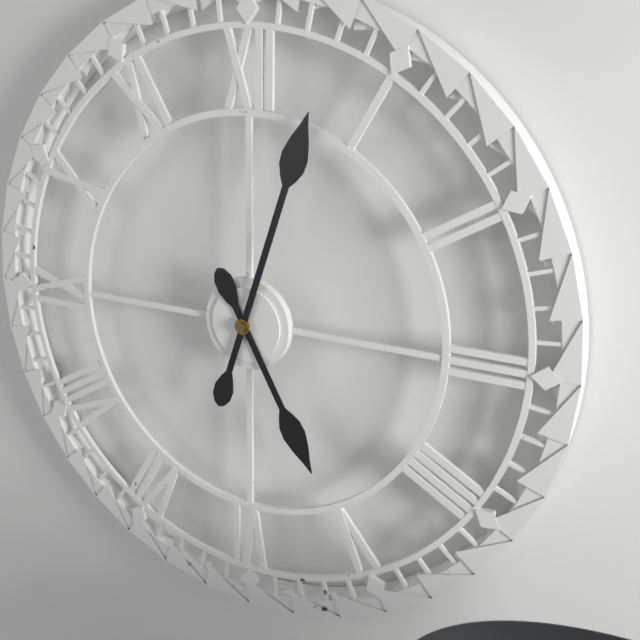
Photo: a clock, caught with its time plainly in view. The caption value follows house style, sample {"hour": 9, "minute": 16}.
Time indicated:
{"hour": 5, "minute": 3}
